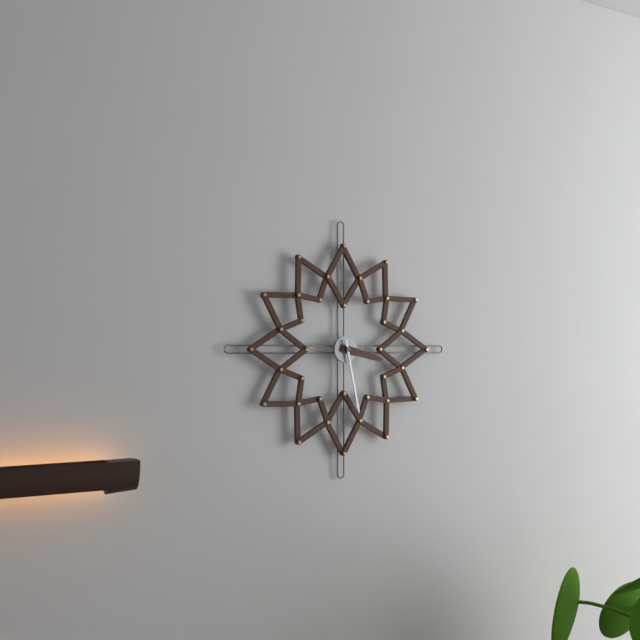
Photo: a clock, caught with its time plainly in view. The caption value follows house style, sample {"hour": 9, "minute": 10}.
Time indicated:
{"hour": 3, "minute": 28}
